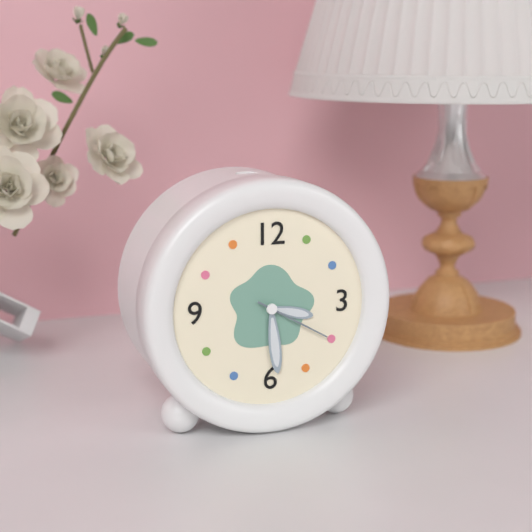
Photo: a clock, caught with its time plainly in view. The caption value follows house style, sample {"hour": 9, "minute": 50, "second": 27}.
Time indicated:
{"hour": 3, "minute": 29, "second": 20}
